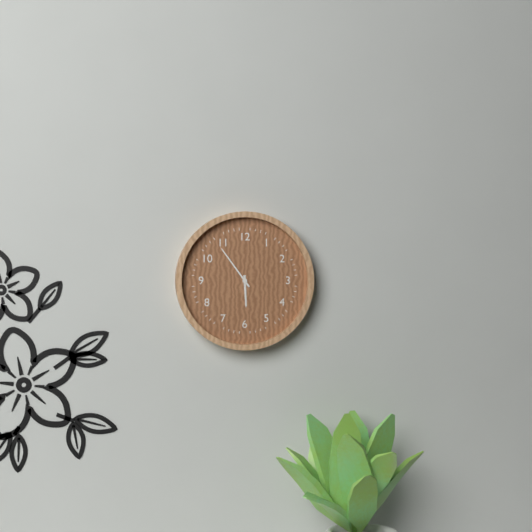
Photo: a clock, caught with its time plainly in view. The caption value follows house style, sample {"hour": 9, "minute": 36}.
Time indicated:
{"hour": 5, "minute": 54}
